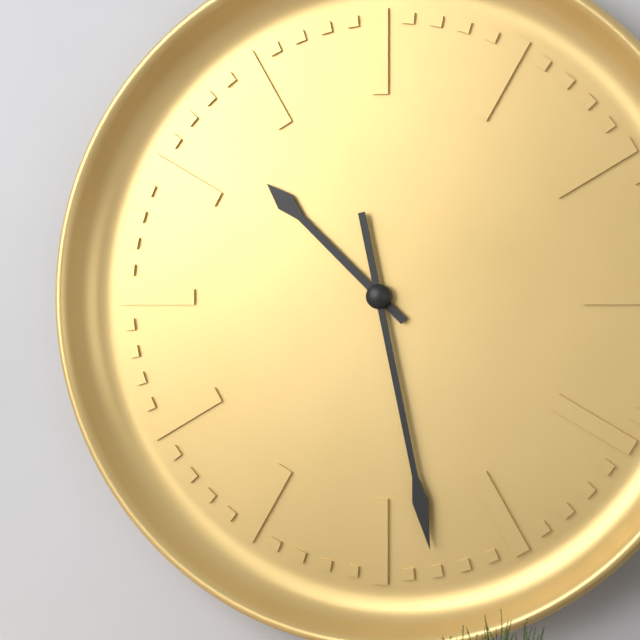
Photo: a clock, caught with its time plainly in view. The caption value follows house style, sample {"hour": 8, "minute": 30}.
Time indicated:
{"hour": 10, "minute": 28}
